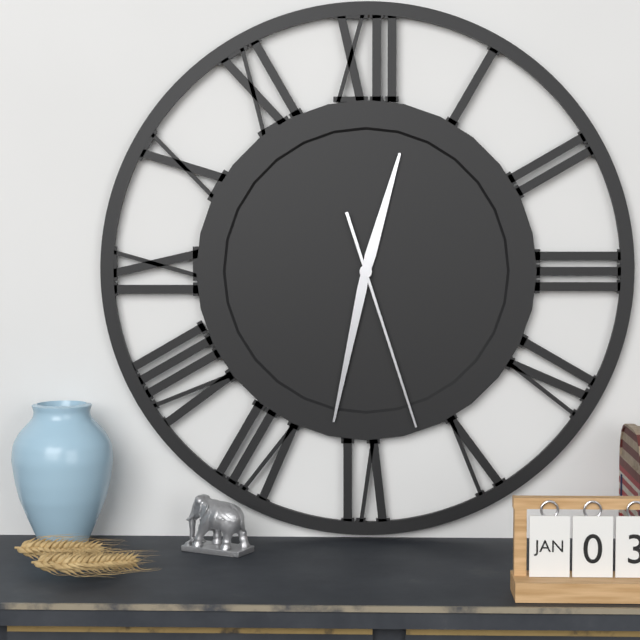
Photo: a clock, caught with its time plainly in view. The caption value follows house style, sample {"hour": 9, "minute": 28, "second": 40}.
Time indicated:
{"hour": 12, "minute": 32, "second": 27}
